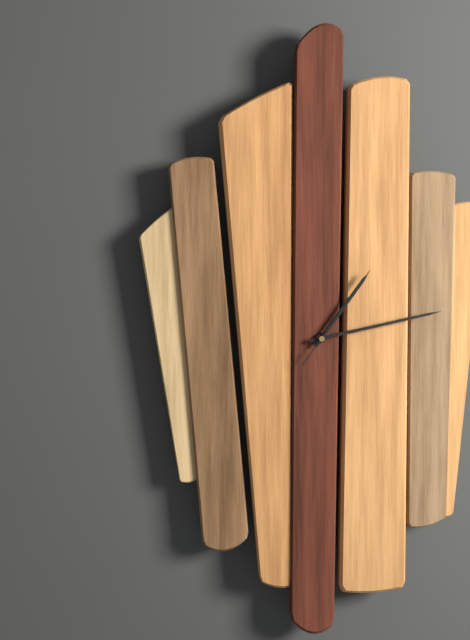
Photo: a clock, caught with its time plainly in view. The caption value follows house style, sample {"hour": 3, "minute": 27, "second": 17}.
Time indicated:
{"hour": 1, "minute": 13, "second": 6}
